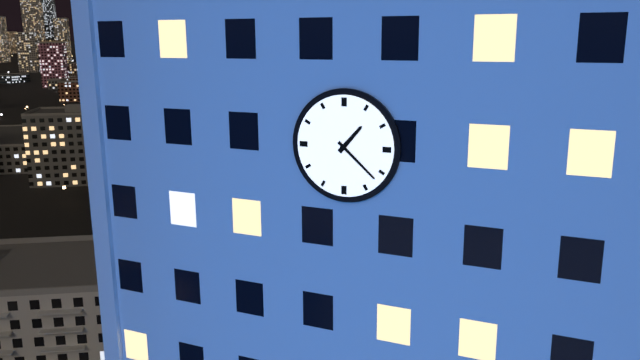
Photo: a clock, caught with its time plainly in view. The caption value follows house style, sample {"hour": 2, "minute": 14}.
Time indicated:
{"hour": 1, "minute": 22}
